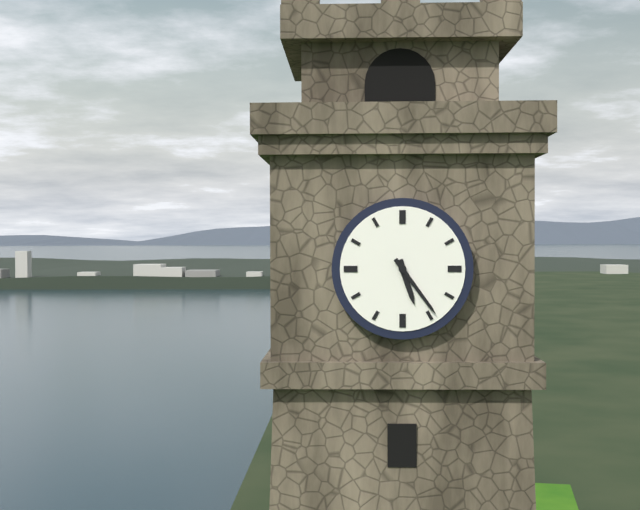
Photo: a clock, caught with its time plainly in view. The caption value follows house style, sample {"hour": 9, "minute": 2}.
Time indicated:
{"hour": 5, "minute": 24}
